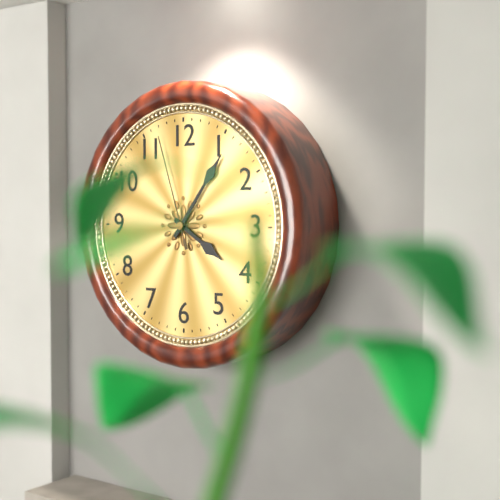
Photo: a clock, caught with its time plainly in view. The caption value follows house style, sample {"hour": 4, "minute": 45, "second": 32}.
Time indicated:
{"hour": 4, "minute": 6, "second": 57}
